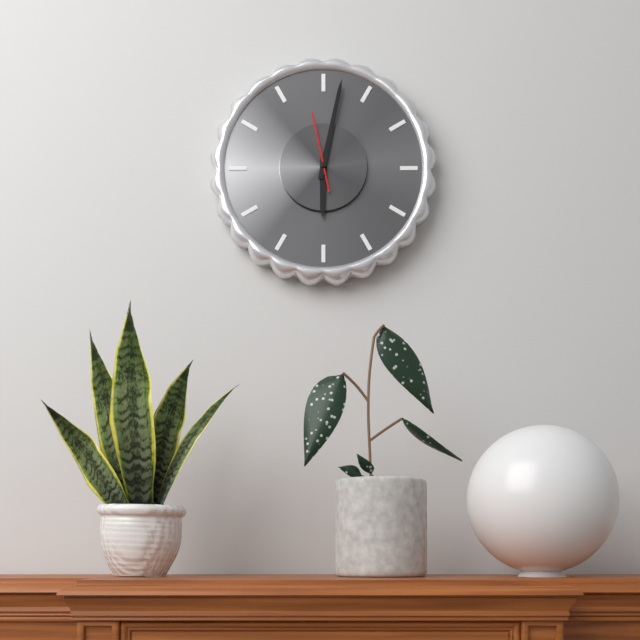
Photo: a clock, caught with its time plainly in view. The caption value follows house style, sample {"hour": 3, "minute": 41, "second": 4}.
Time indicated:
{"hour": 6, "minute": 2, "second": 58}
